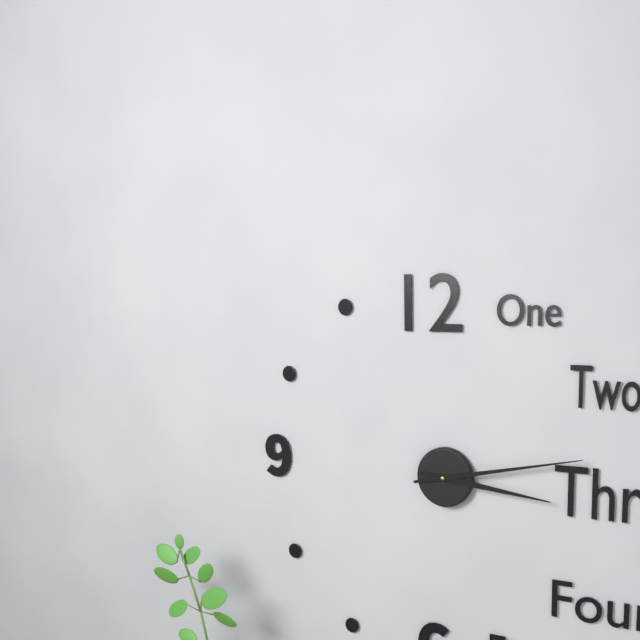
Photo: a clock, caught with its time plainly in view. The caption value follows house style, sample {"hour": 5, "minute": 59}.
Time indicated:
{"hour": 3, "minute": 13}
